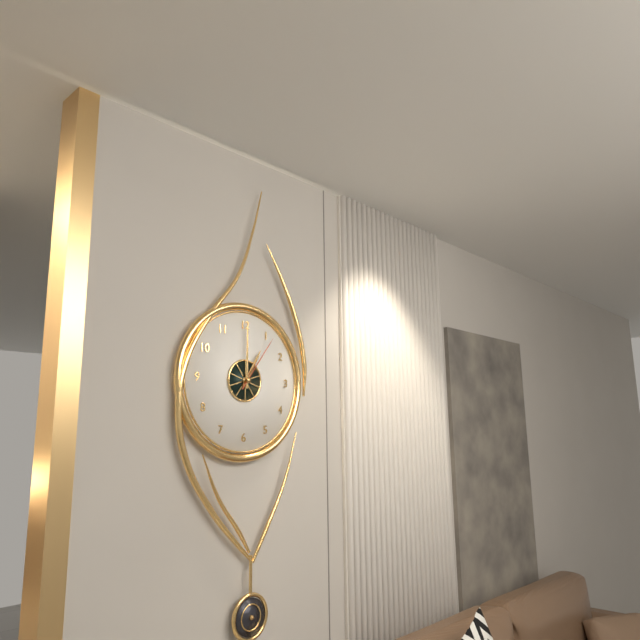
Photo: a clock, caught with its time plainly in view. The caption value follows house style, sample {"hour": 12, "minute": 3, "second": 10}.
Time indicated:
{"hour": 1, "minute": 0, "second": 6}
